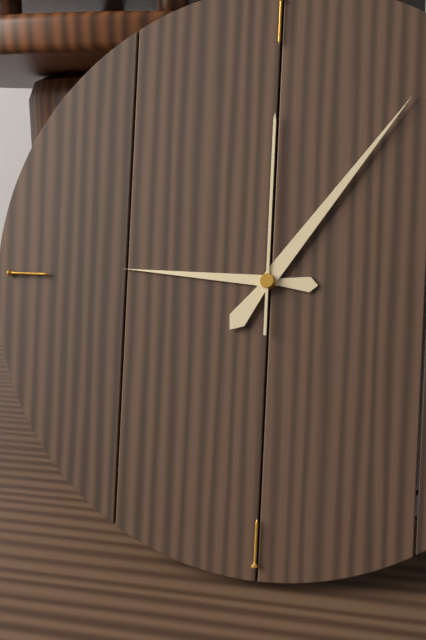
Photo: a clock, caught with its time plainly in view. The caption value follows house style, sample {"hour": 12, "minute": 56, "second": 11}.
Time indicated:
{"hour": 9, "minute": 6, "second": 0}
